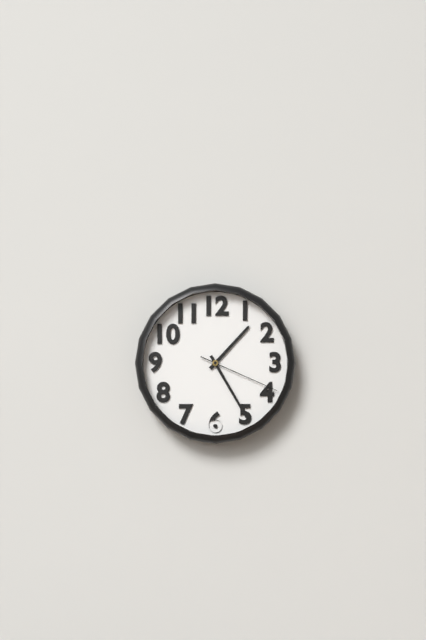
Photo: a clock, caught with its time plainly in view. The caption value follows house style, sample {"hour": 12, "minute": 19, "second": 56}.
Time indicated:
{"hour": 1, "minute": 25, "second": 19}
